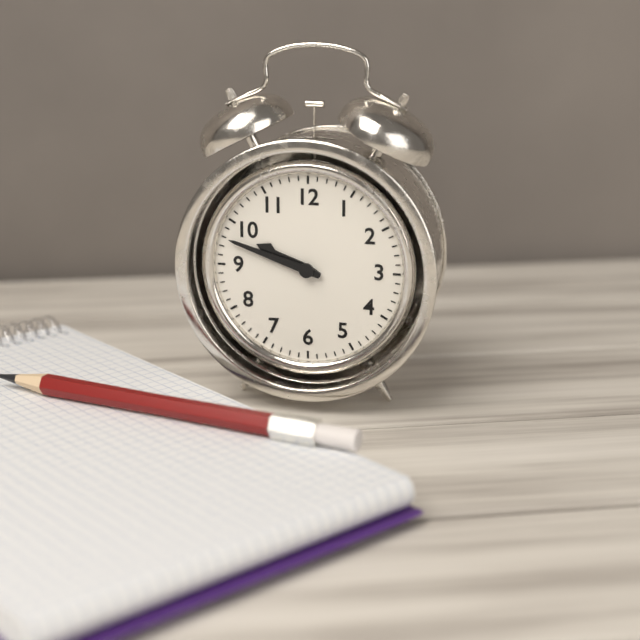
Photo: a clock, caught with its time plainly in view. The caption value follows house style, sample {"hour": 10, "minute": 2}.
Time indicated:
{"hour": 9, "minute": 48}
